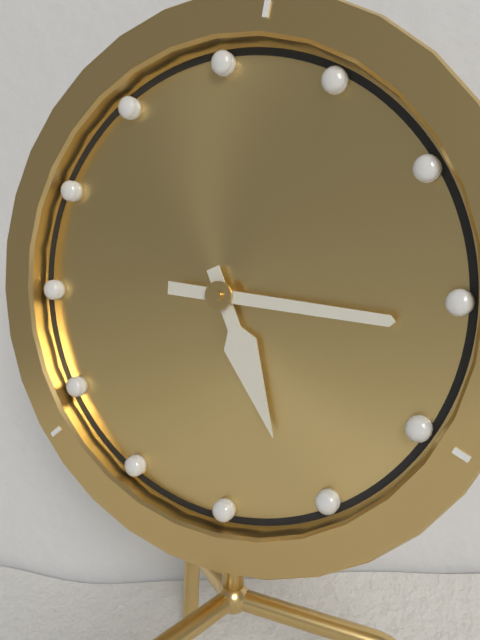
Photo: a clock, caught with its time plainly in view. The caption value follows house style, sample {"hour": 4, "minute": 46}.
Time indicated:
{"hour": 5, "minute": 16}
